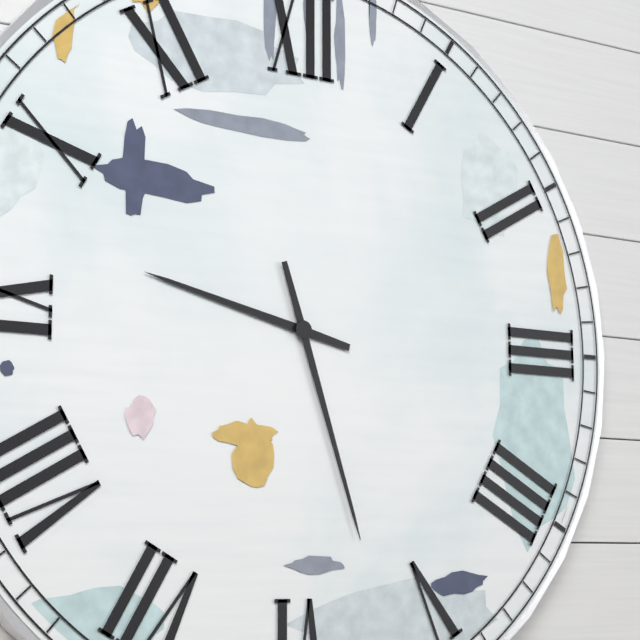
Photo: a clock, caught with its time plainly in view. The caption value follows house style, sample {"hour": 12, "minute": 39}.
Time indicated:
{"hour": 9, "minute": 27}
